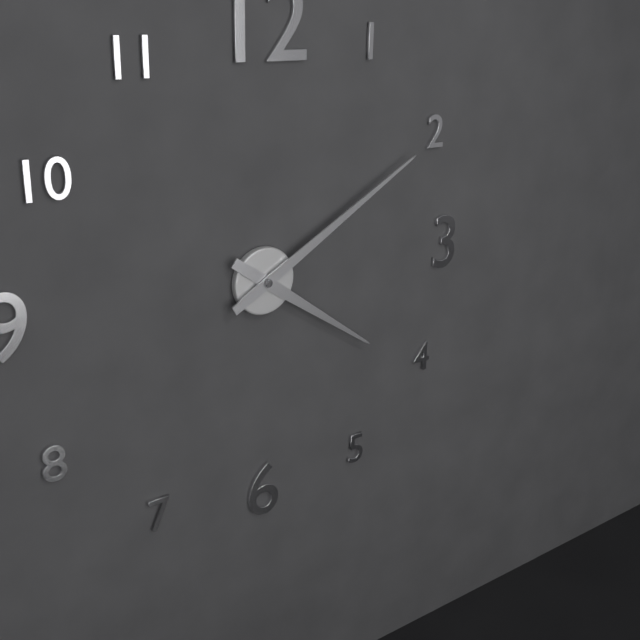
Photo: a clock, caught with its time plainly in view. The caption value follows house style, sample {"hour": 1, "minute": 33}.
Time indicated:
{"hour": 4, "minute": 10}
